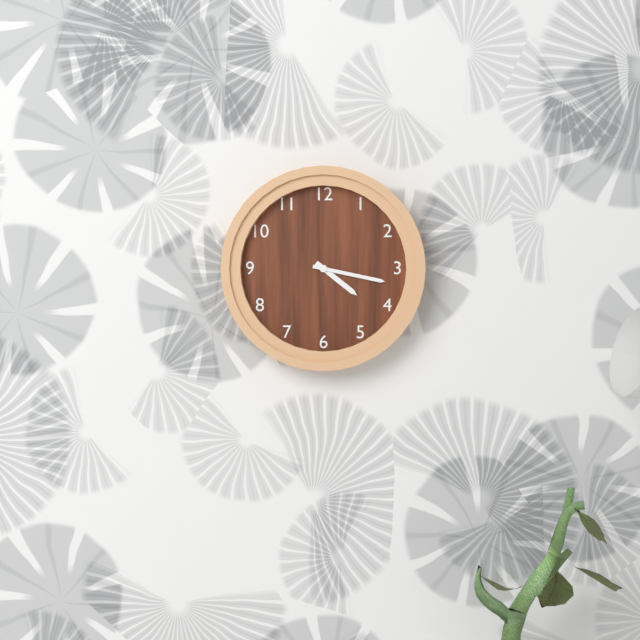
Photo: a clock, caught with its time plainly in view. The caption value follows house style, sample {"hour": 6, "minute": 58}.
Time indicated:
{"hour": 4, "minute": 17}
